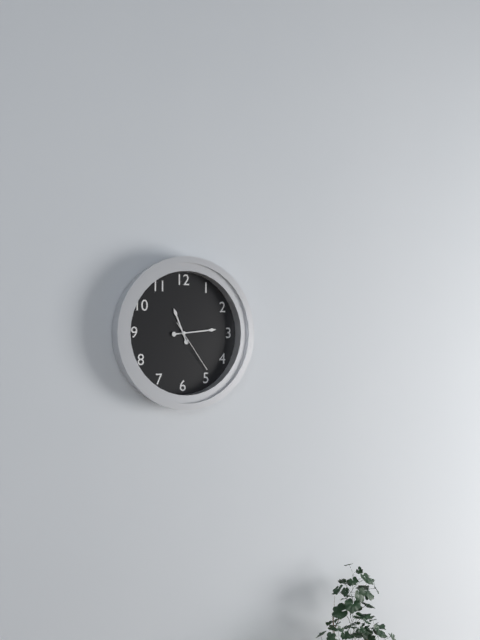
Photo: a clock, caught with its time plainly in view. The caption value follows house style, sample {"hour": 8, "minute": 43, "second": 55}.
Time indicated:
{"hour": 11, "minute": 14, "second": 24}
